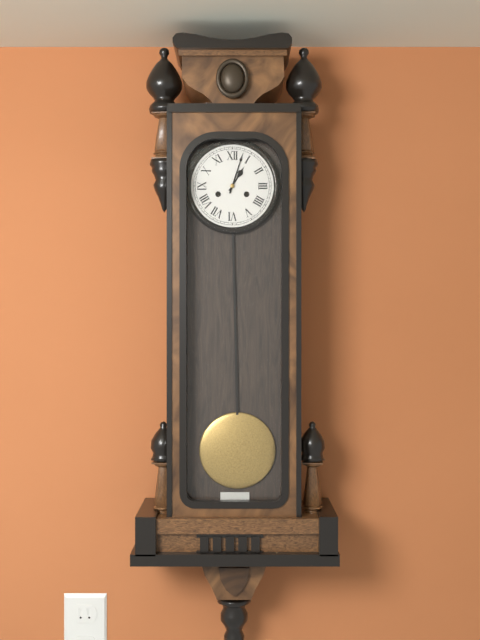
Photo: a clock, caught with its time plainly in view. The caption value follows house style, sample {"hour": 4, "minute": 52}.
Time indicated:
{"hour": 1, "minute": 3}
